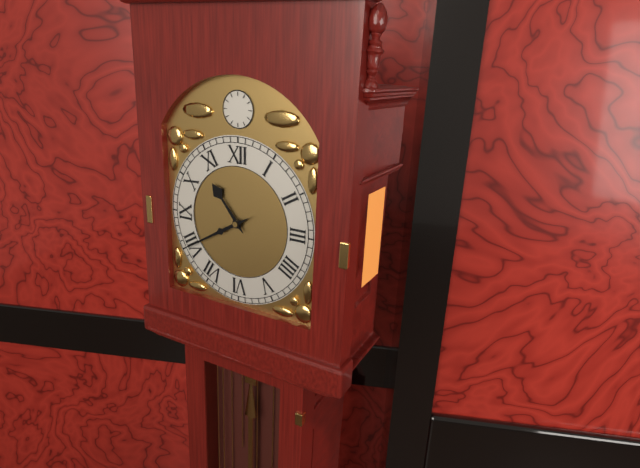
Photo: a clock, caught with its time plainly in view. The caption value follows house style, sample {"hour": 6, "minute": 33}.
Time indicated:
{"hour": 10, "minute": 40}
